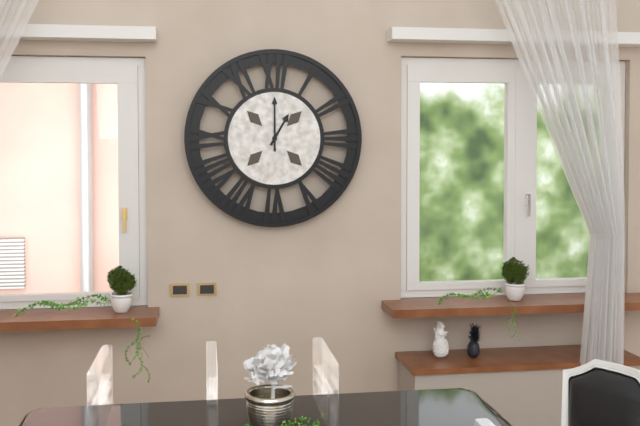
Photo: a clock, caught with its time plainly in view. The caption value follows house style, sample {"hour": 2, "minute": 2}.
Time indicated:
{"hour": 1, "minute": 0}
